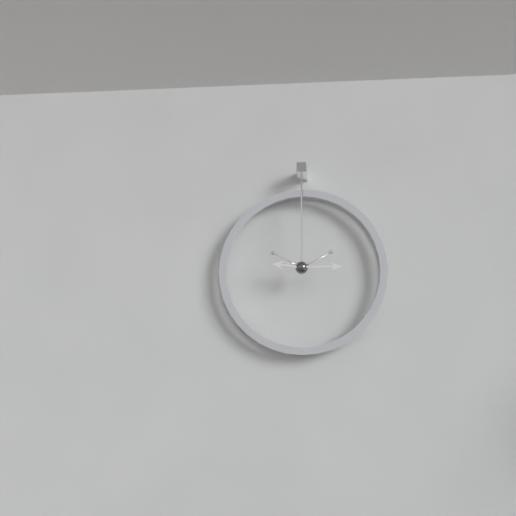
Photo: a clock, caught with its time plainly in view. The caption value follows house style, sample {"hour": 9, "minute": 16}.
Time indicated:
{"hour": 9, "minute": 15}
